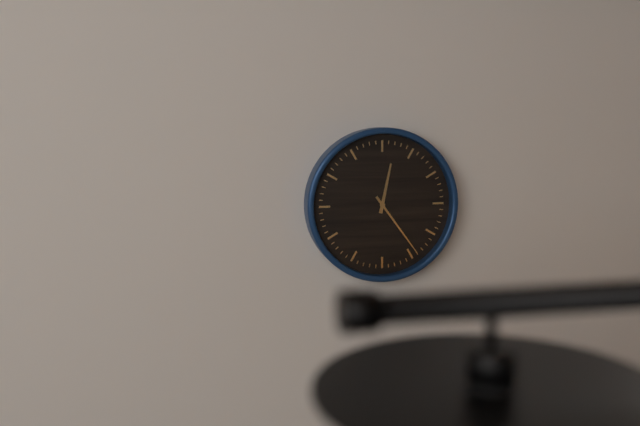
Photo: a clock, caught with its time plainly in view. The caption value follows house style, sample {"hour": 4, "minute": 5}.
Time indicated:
{"hour": 12, "minute": 24}
